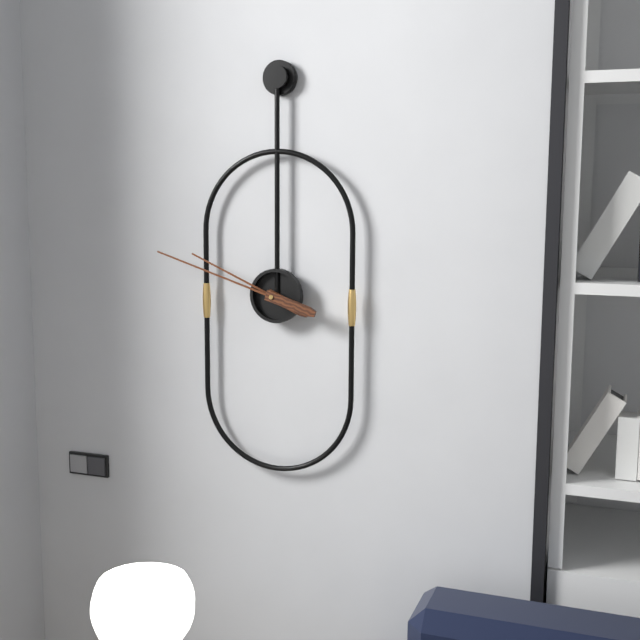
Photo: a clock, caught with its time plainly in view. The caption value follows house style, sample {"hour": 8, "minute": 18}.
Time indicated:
{"hour": 9, "minute": 48}
